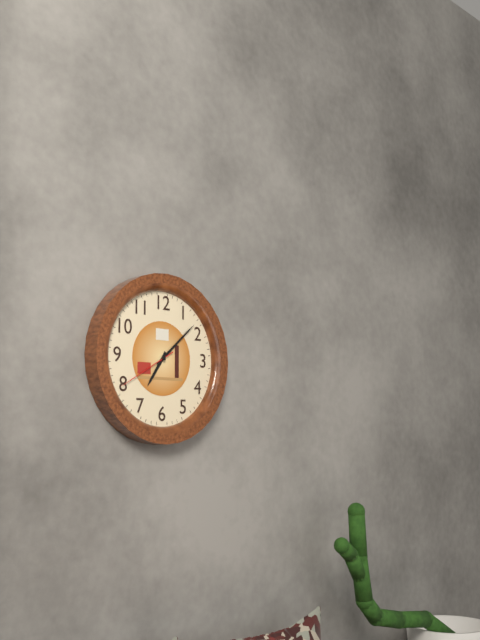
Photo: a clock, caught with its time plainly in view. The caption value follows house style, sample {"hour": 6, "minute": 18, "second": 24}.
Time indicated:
{"hour": 7, "minute": 8, "second": 40}
